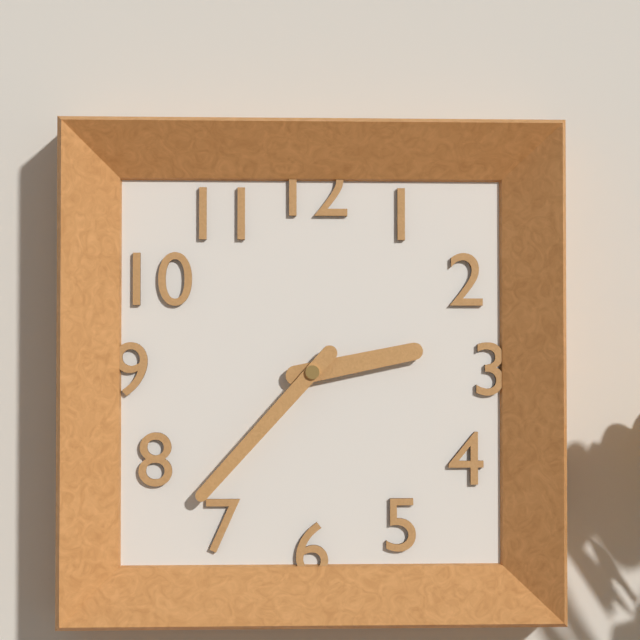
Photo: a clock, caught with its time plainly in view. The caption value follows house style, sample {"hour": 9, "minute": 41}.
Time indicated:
{"hour": 2, "minute": 37}
